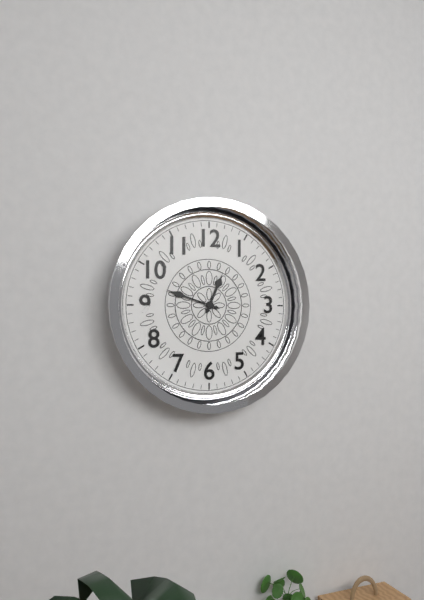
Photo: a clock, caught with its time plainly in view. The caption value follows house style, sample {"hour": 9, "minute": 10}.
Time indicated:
{"hour": 12, "minute": 48}
